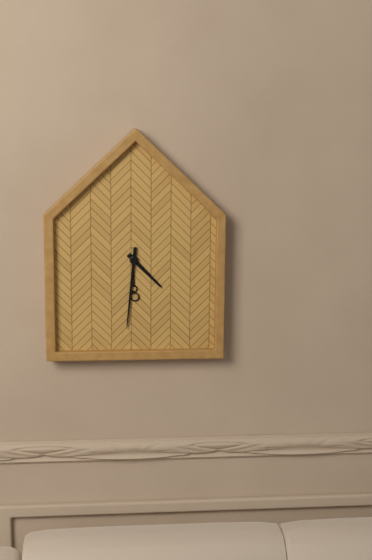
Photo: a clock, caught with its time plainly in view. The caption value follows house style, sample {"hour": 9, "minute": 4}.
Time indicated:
{"hour": 4, "minute": 31}
